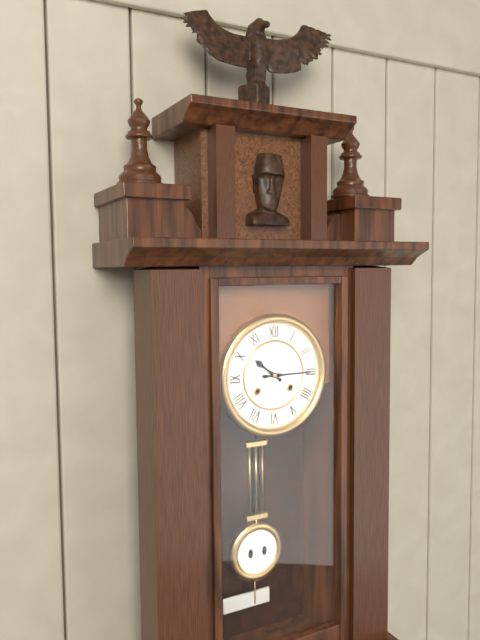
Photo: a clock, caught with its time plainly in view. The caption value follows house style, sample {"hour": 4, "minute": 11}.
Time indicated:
{"hour": 10, "minute": 15}
